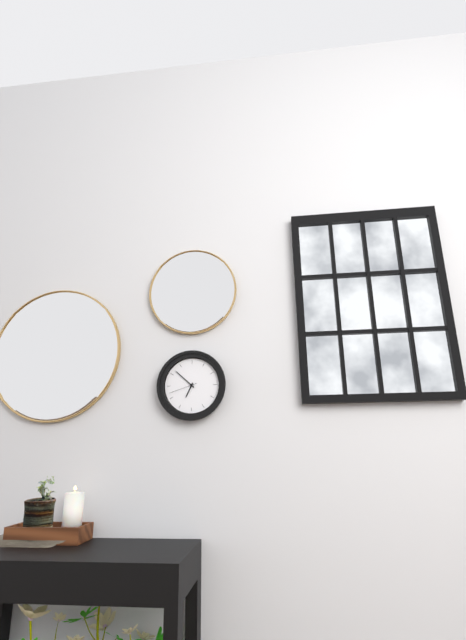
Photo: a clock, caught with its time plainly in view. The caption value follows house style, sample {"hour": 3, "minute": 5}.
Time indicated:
{"hour": 6, "minute": 52}
